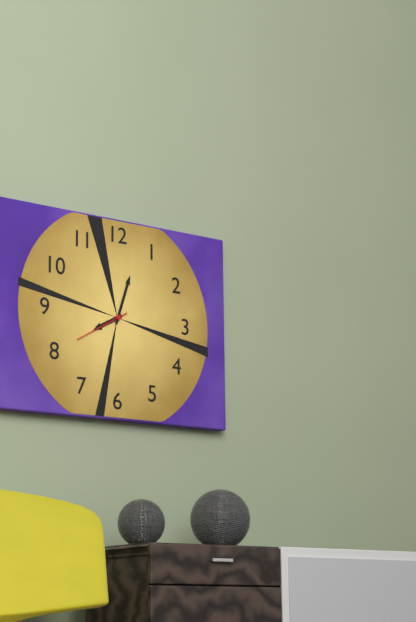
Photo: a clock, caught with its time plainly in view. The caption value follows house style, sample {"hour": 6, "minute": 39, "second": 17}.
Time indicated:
{"hour": 8, "minute": 3, "second": 40}
